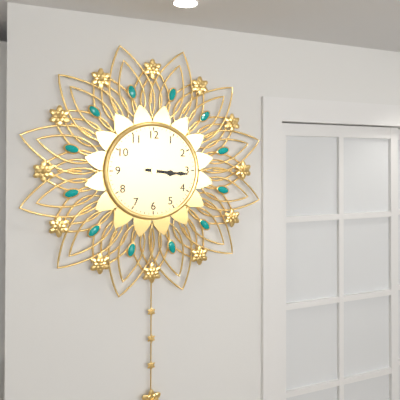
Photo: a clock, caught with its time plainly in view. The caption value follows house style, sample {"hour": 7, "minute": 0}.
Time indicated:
{"hour": 3, "minute": 16}
